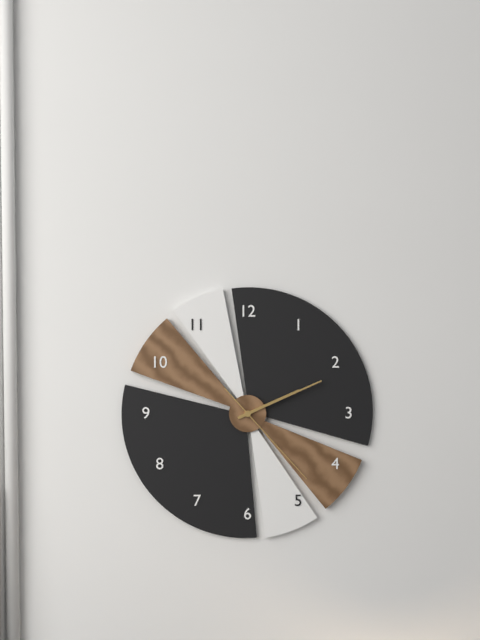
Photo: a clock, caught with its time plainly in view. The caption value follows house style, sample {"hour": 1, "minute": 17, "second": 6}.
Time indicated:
{"hour": 2, "minute": 11, "second": 23}
